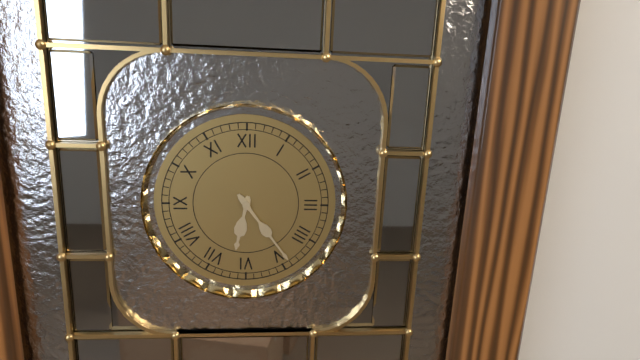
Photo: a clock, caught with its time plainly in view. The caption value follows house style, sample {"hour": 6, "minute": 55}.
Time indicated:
{"hour": 6, "minute": 24}
